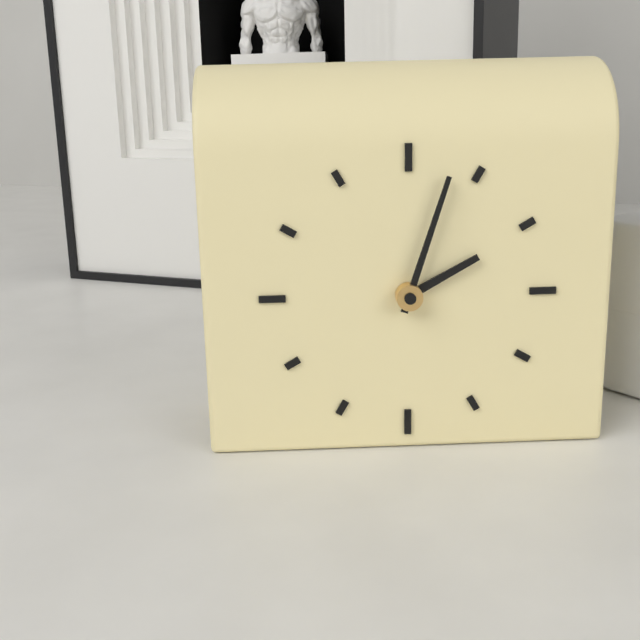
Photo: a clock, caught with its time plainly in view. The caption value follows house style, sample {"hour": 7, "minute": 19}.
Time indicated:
{"hour": 2, "minute": 3}
